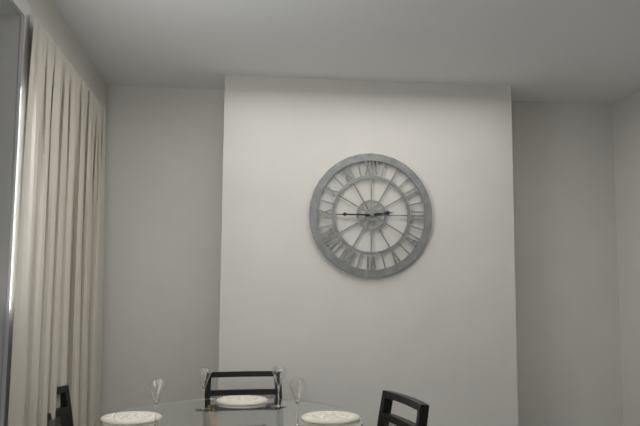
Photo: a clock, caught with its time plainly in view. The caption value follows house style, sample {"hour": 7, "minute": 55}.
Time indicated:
{"hour": 2, "minute": 45}
